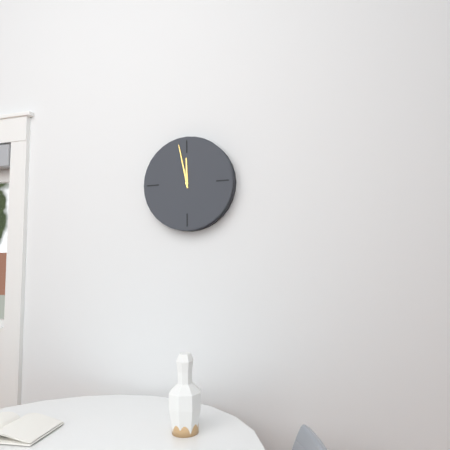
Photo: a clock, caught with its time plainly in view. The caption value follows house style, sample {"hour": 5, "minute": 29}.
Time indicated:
{"hour": 11, "minute": 58}
